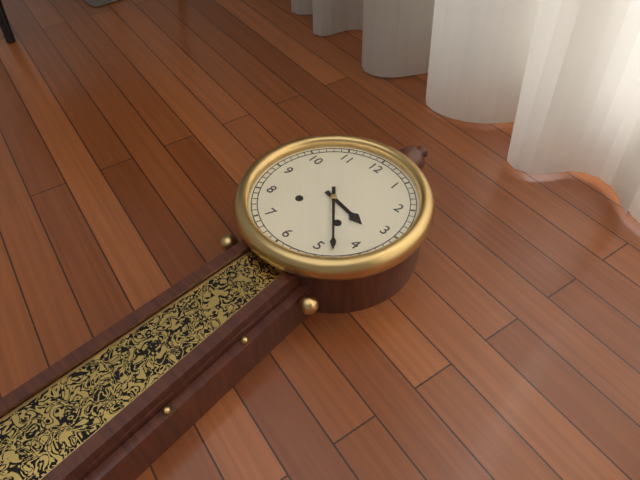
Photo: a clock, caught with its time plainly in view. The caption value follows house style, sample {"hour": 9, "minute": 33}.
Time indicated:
{"hour": 3, "minute": 23}
